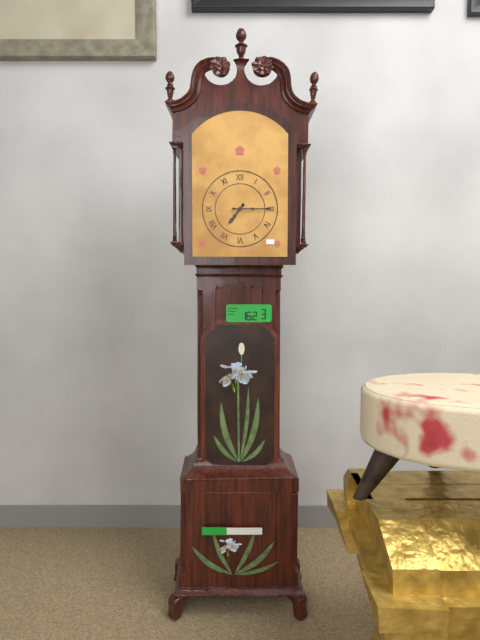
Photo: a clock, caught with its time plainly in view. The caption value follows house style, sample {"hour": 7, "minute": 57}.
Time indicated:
{"hour": 7, "minute": 15}
